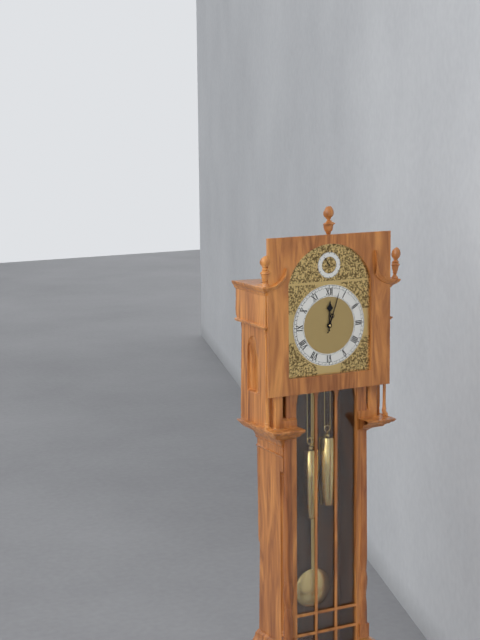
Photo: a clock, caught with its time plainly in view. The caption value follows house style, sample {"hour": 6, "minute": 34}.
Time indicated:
{"hour": 12, "minute": 3}
